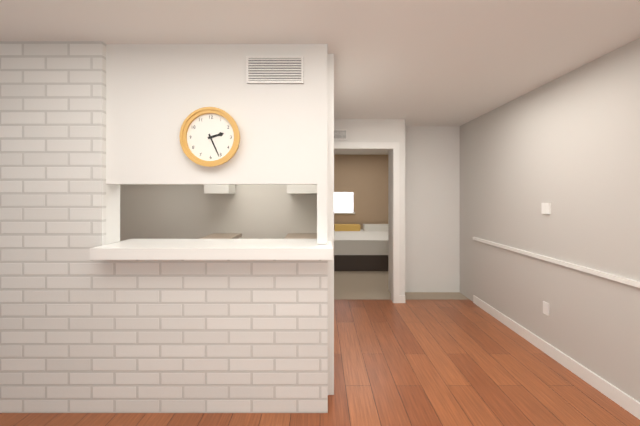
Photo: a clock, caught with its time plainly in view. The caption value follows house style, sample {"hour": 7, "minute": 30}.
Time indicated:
{"hour": 2, "minute": 26}
